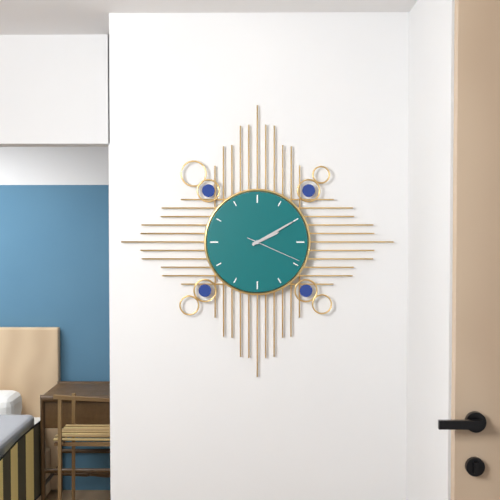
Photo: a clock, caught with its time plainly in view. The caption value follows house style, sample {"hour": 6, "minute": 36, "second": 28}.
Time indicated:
{"hour": 2, "minute": 10, "second": 19}
